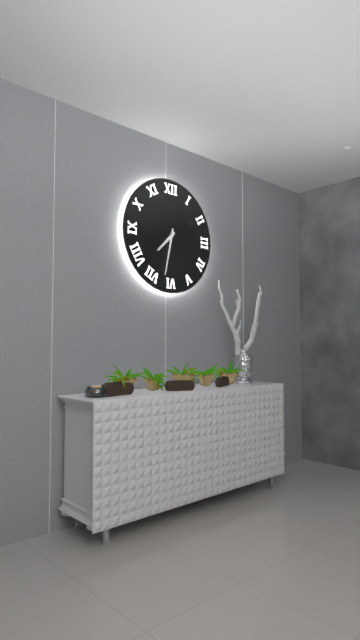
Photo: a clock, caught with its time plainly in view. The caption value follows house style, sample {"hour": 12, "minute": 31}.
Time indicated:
{"hour": 7, "minute": 32}
